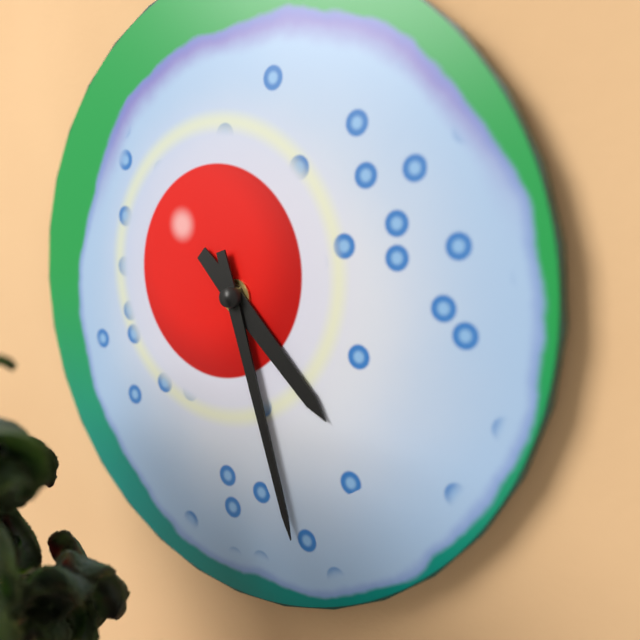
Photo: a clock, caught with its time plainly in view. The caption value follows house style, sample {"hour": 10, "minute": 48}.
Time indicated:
{"hour": 4, "minute": 27}
